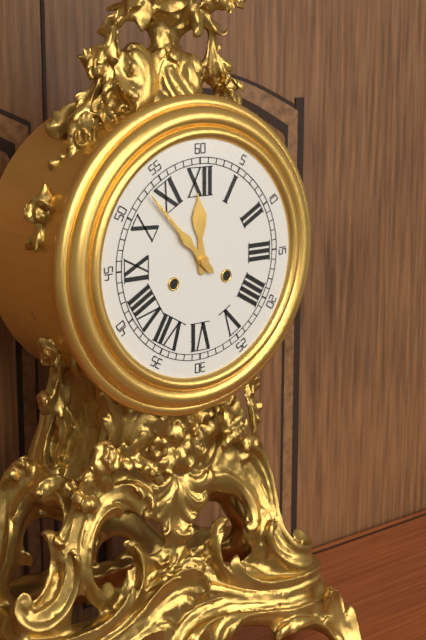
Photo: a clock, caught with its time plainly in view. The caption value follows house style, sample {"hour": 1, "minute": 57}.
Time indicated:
{"hour": 11, "minute": 53}
